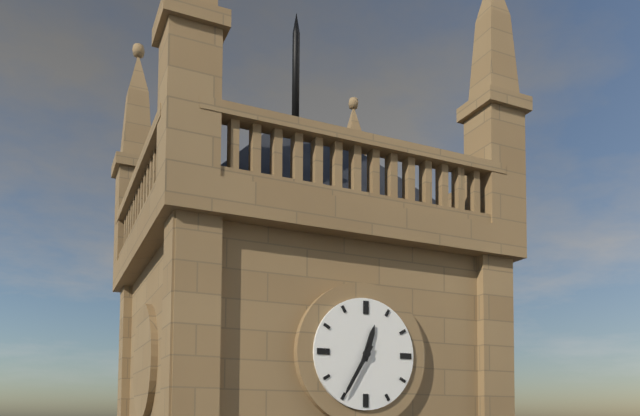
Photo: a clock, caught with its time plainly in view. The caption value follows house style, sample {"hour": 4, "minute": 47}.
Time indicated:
{"hour": 12, "minute": 35}
